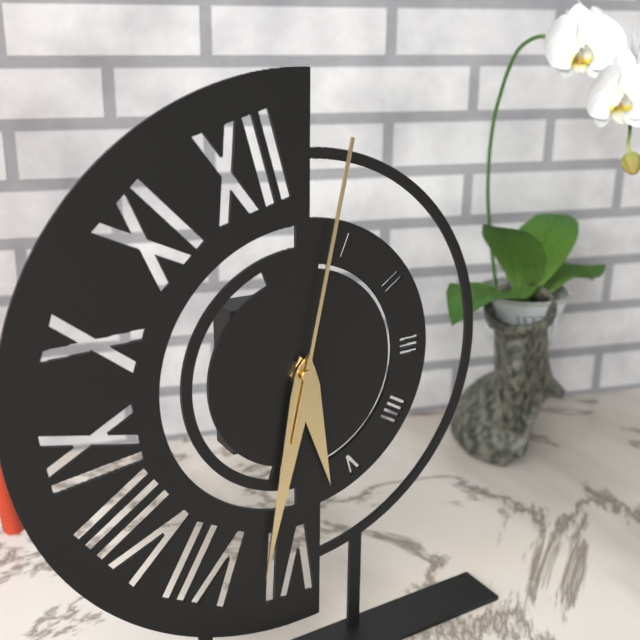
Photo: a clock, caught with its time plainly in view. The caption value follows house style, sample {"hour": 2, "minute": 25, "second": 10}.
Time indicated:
{"hour": 5, "minute": 32, "second": 2}
